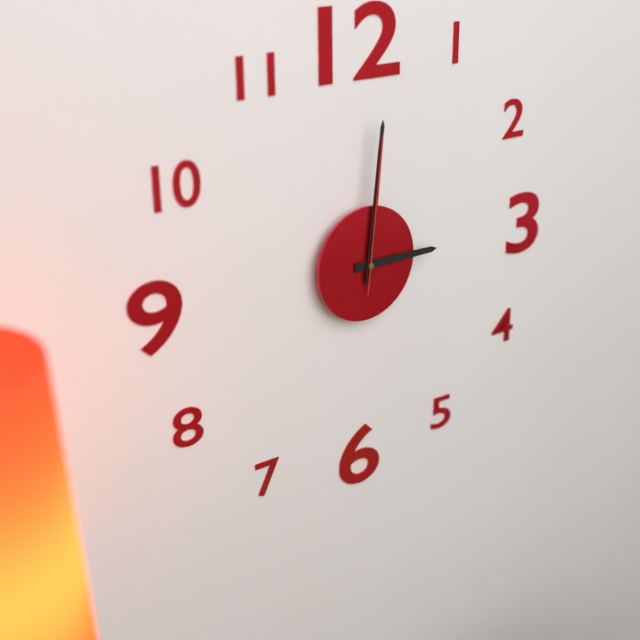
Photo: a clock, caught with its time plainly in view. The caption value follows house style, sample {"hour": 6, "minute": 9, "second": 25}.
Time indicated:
{"hour": 3, "minute": 1, "second": 1}
